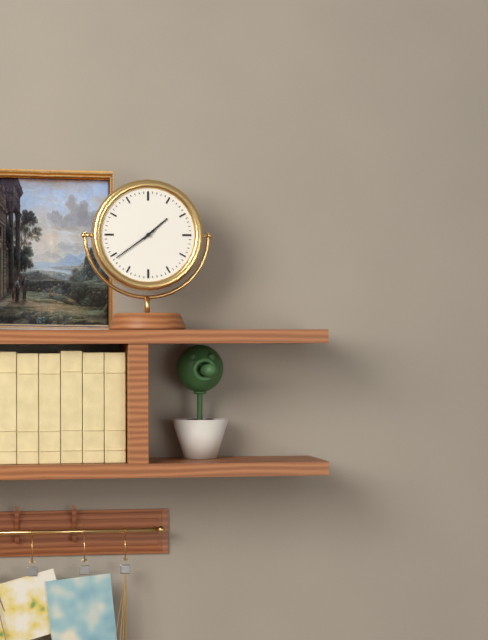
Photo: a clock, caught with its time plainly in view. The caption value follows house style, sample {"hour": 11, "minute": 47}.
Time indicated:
{"hour": 1, "minute": 39}
